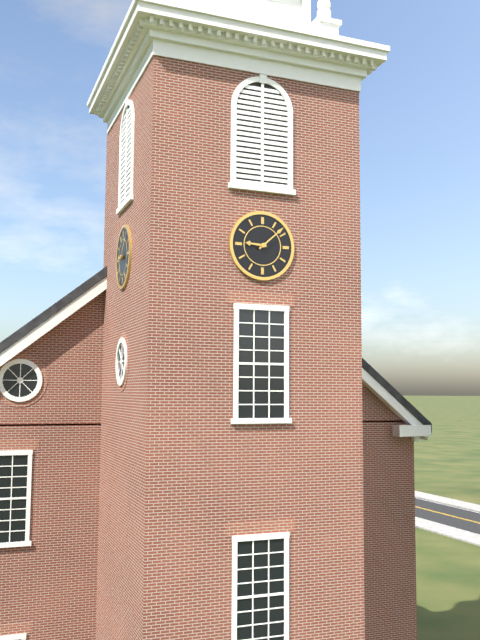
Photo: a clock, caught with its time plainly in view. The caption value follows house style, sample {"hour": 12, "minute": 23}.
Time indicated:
{"hour": 9, "minute": 8}
